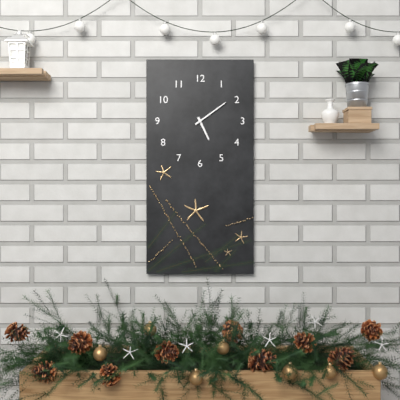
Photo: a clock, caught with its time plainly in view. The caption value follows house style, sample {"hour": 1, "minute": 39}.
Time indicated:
{"hour": 5, "minute": 9}
